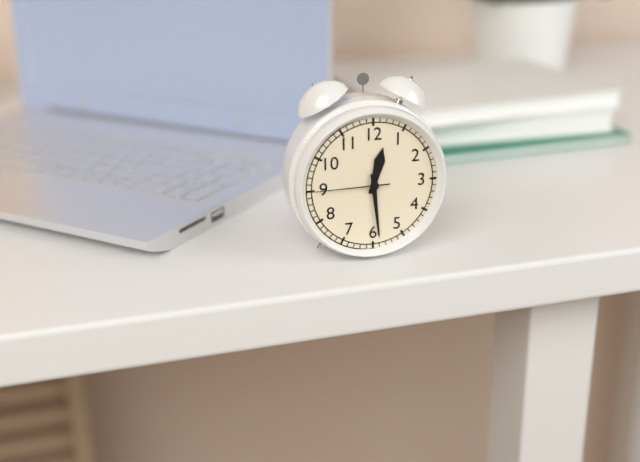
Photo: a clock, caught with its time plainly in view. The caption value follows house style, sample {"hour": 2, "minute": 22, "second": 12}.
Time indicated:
{"hour": 12, "minute": 29, "second": 45}
